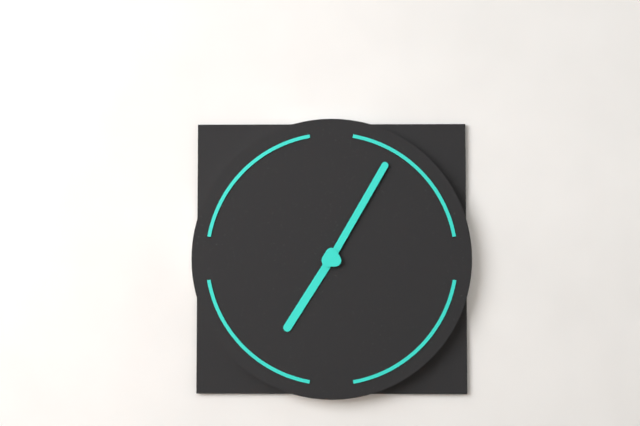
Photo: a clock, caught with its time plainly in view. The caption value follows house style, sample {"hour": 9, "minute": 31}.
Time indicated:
{"hour": 7, "minute": 5}
